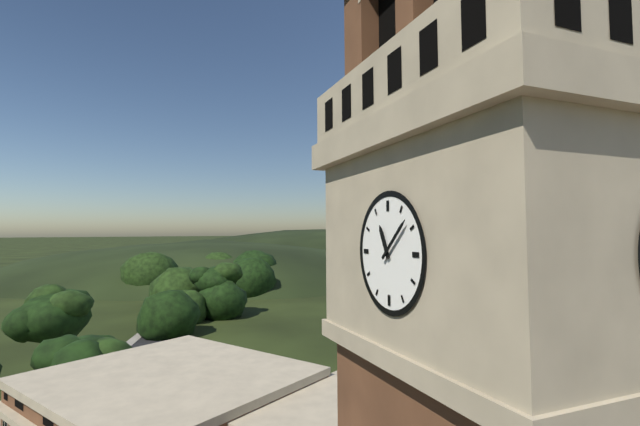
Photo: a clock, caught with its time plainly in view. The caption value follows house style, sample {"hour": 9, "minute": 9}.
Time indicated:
{"hour": 11, "minute": 8}
